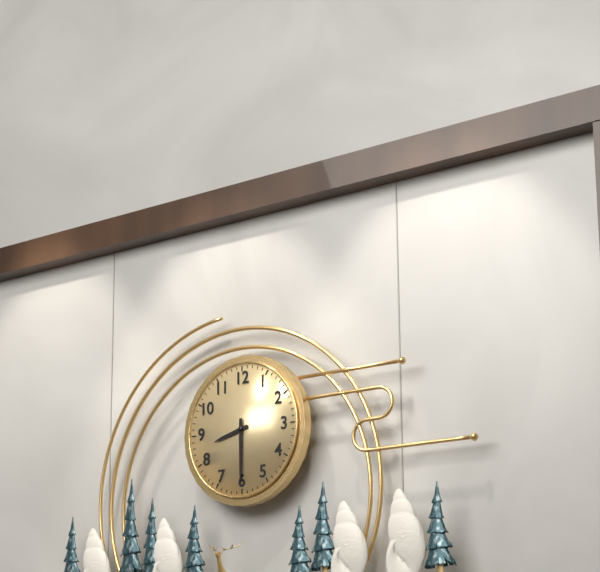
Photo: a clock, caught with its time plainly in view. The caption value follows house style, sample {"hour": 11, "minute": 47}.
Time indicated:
{"hour": 8, "minute": 30}
